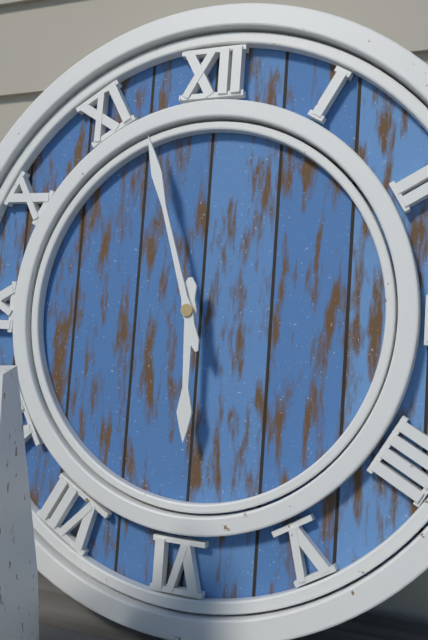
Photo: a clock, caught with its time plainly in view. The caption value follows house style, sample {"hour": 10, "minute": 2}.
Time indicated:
{"hour": 5, "minute": 57}
